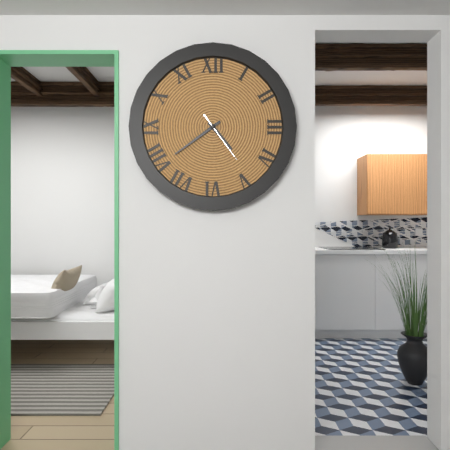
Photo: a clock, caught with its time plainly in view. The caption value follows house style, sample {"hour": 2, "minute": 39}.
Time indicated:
{"hour": 4, "minute": 39}
